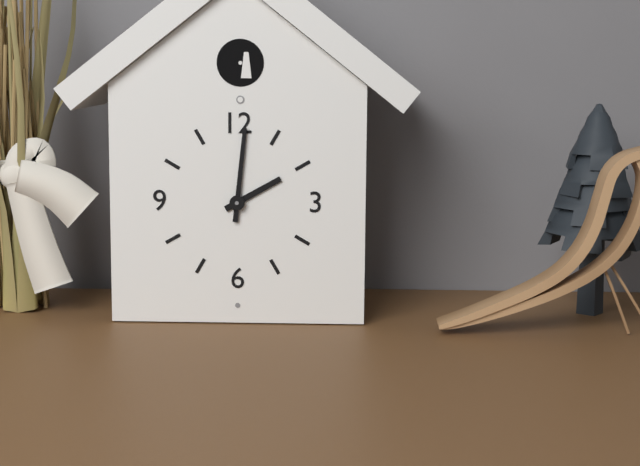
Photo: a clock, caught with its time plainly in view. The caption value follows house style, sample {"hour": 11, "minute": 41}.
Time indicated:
{"hour": 2, "minute": 1}
